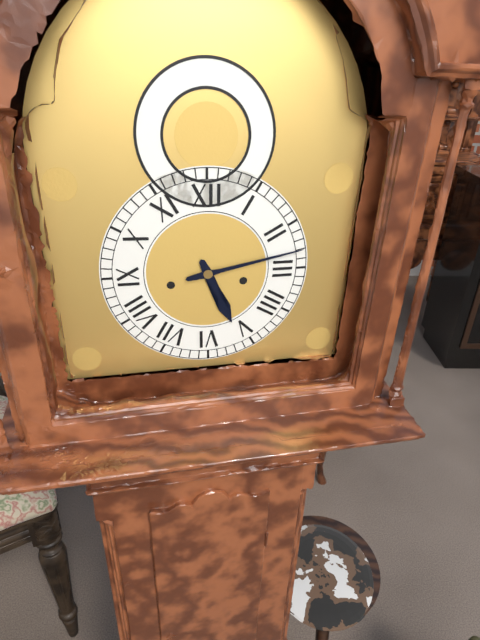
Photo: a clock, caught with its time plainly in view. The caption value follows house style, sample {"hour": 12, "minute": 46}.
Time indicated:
{"hour": 5, "minute": 13}
